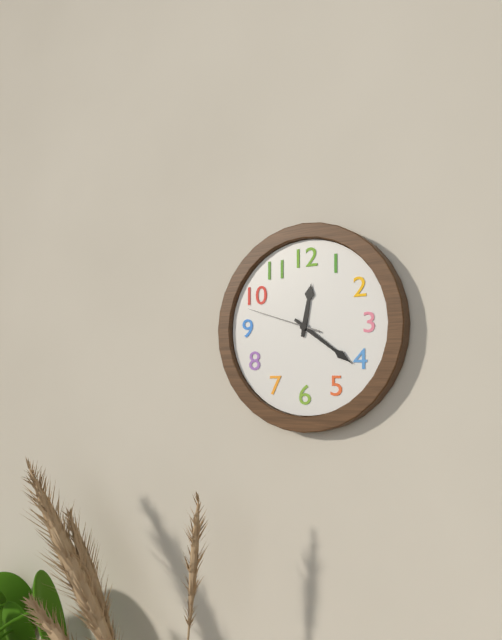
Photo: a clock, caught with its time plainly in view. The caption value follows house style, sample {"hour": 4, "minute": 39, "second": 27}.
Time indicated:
{"hour": 12, "minute": 21, "second": 48}
